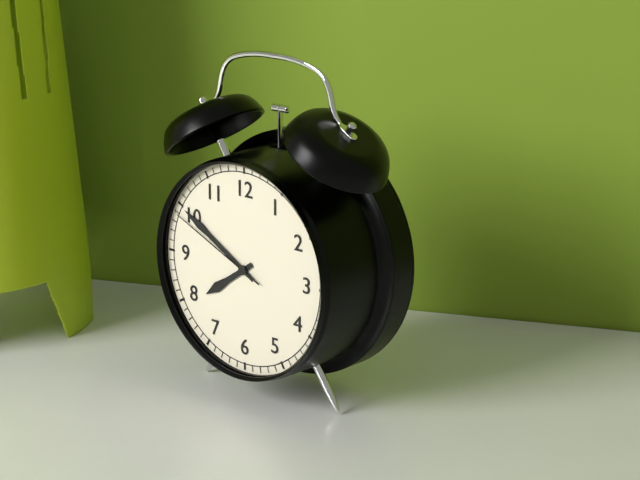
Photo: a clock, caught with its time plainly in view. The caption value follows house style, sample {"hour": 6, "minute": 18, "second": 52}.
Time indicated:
{"hour": 7, "minute": 50, "second": 49}
